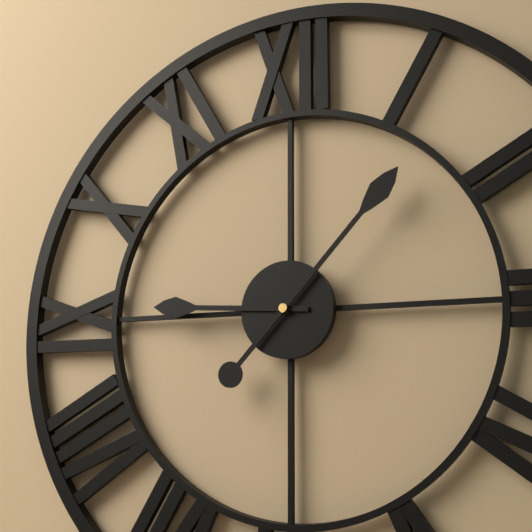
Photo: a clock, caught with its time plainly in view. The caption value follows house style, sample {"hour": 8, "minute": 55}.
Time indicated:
{"hour": 9, "minute": 7}
